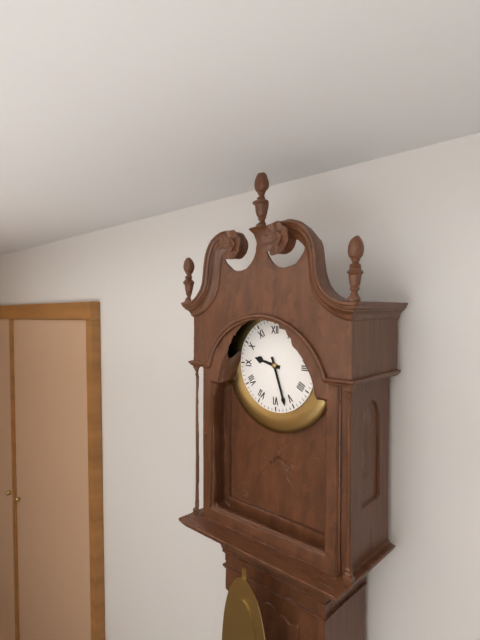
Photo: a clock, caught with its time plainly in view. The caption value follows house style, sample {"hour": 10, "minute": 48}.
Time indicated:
{"hour": 9, "minute": 27}
